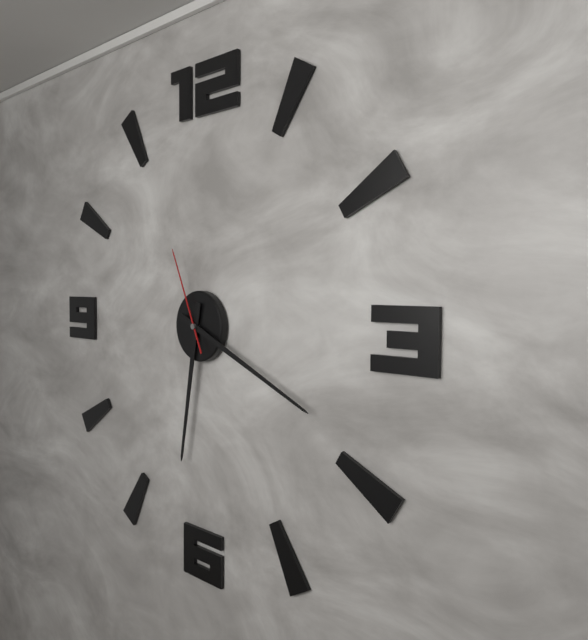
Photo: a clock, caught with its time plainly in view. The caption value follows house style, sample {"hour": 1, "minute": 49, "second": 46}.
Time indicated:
{"hour": 6, "minute": 19, "second": 56}
